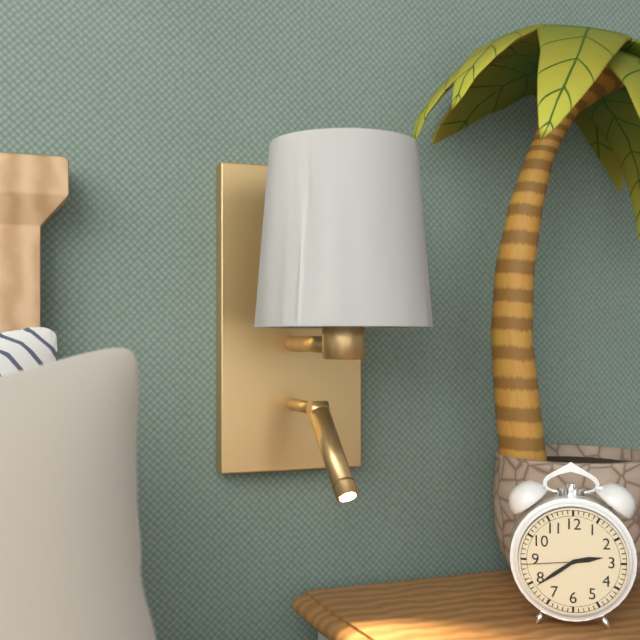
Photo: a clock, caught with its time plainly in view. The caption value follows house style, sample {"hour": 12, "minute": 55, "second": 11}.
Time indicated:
{"hour": 2, "minute": 39, "second": 44}
